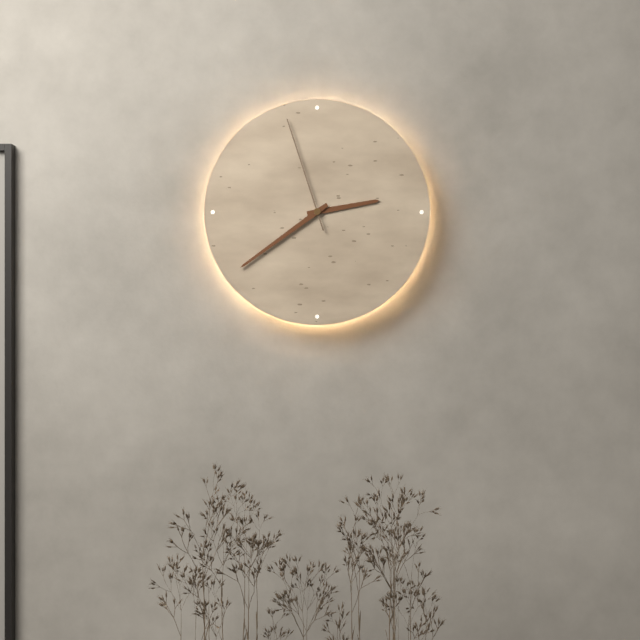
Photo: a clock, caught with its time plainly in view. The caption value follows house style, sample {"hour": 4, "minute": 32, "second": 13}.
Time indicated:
{"hour": 2, "minute": 39, "second": 57}
